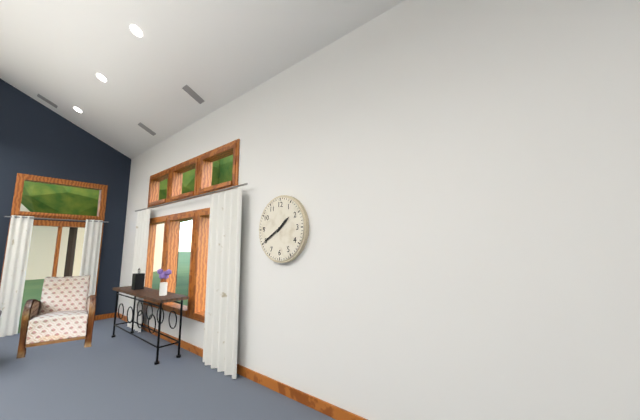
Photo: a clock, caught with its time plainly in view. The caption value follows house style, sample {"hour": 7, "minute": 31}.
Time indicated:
{"hour": 1, "minute": 40}
